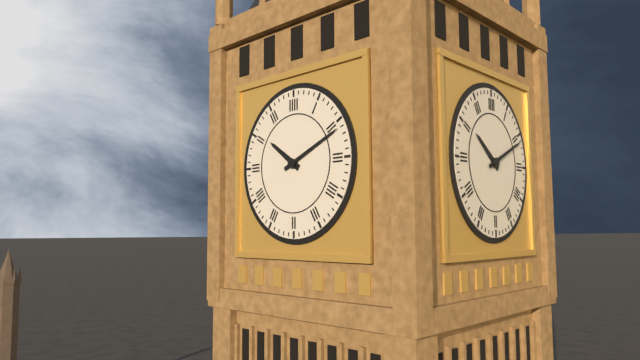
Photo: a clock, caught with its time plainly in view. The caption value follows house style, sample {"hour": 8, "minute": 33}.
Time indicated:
{"hour": 10, "minute": 11}
